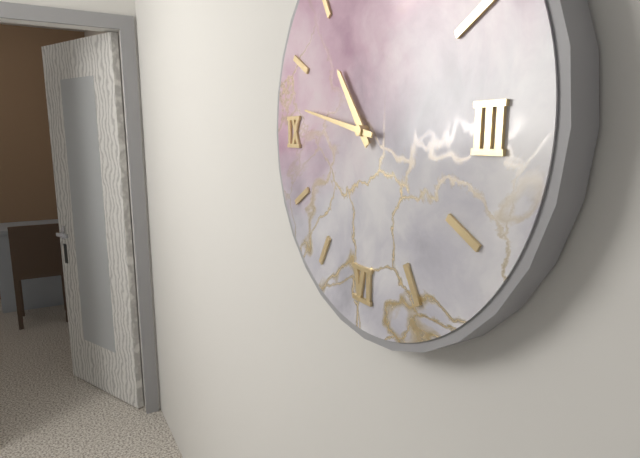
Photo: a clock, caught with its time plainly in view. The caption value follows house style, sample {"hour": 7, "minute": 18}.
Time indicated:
{"hour": 10, "minute": 47}
